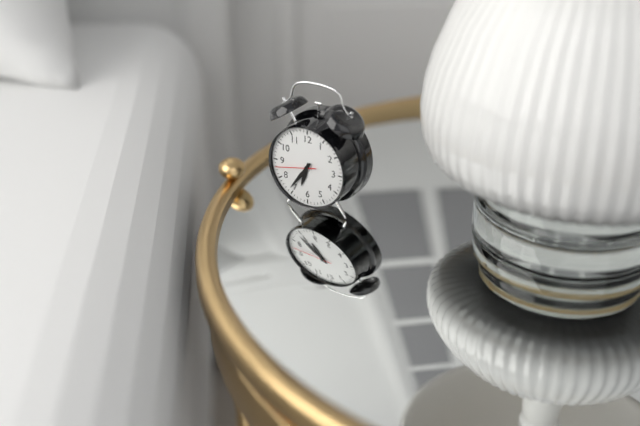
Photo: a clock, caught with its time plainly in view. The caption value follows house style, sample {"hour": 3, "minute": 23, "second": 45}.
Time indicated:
{"hour": 6, "minute": 36, "second": 43}
